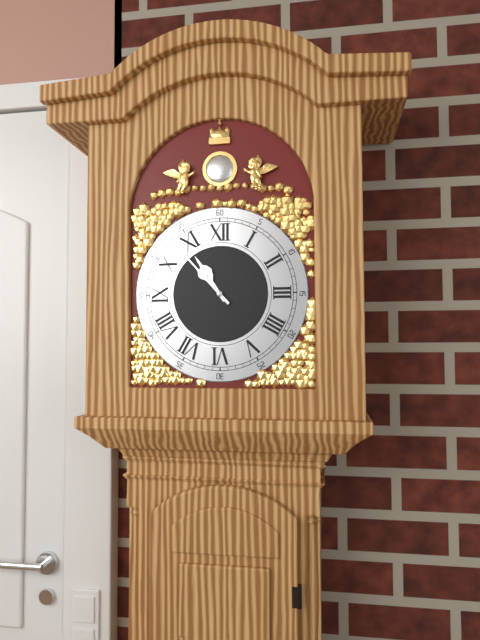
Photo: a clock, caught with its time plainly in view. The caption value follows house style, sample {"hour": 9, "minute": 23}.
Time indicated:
{"hour": 10, "minute": 53}
